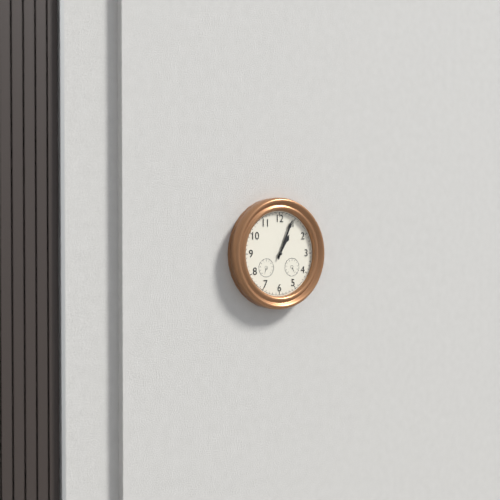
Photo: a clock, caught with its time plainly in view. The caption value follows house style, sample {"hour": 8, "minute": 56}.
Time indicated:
{"hour": 1, "minute": 4}
